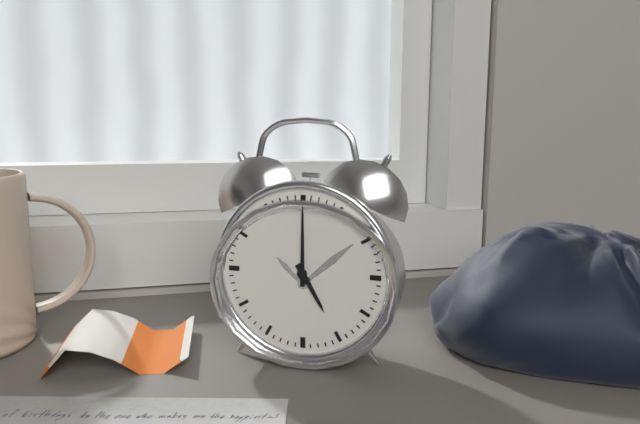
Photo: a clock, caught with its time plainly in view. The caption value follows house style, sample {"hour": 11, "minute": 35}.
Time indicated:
{"hour": 5, "minute": 0}
